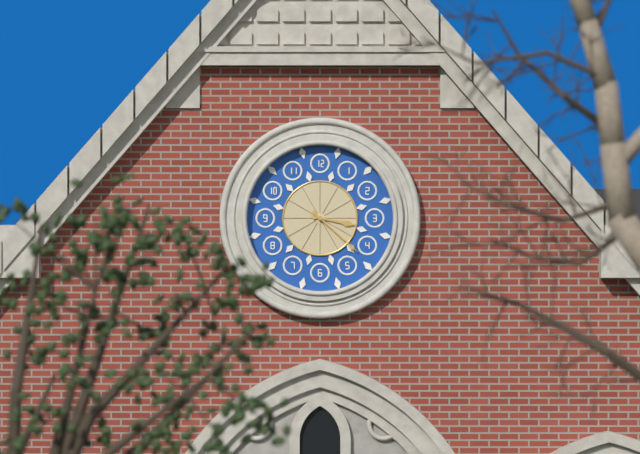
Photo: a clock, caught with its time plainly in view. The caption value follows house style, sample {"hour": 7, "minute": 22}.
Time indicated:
{"hour": 3, "minute": 22}
